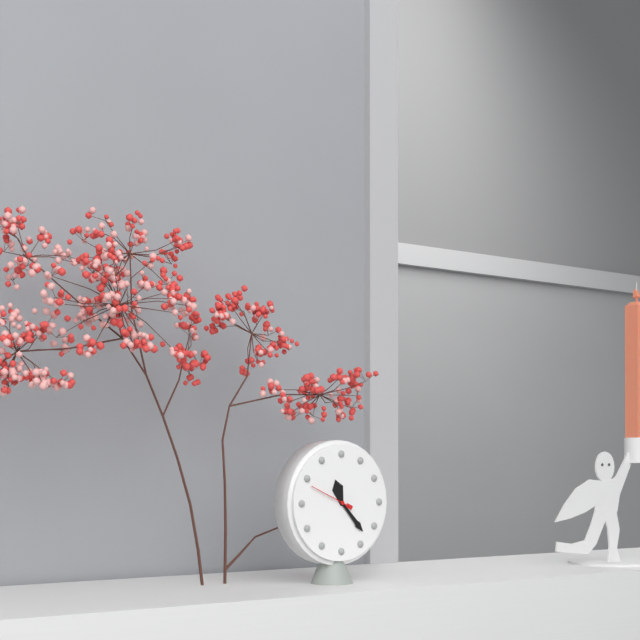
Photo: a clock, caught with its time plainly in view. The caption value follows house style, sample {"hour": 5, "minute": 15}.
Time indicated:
{"hour": 11, "minute": 23}
